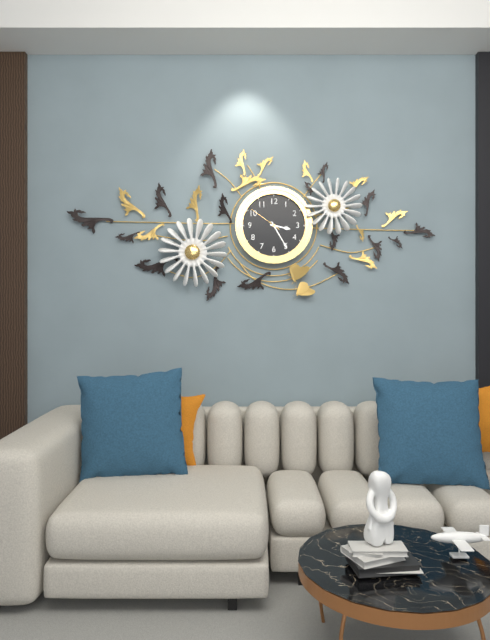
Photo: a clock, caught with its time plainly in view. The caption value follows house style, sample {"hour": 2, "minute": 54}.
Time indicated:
{"hour": 3, "minute": 25}
